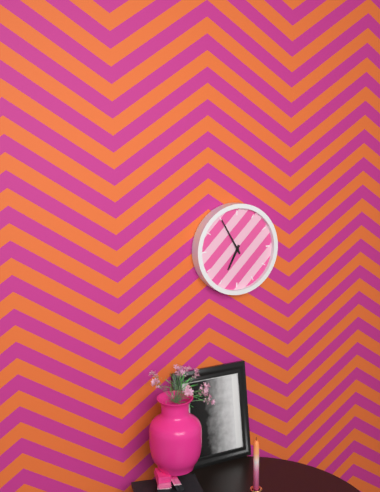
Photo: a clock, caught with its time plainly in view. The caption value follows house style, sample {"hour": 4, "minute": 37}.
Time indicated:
{"hour": 6, "minute": 55}
